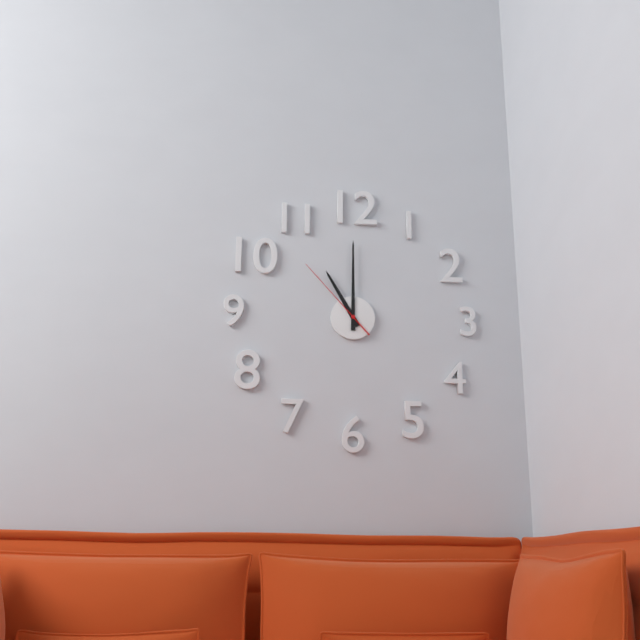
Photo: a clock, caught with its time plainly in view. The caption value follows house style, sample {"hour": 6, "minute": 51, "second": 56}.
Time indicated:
{"hour": 11, "minute": 0, "second": 53}
